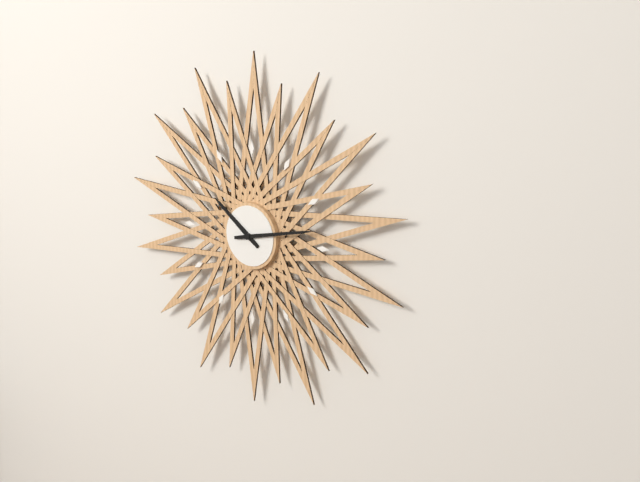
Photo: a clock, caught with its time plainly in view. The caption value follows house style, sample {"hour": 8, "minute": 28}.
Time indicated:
{"hour": 10, "minute": 13}
